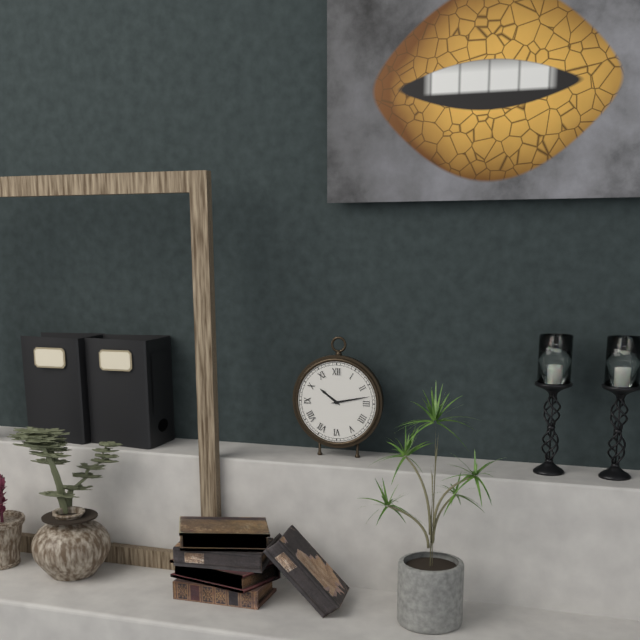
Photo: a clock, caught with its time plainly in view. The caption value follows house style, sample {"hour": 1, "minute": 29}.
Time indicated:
{"hour": 10, "minute": 13}
